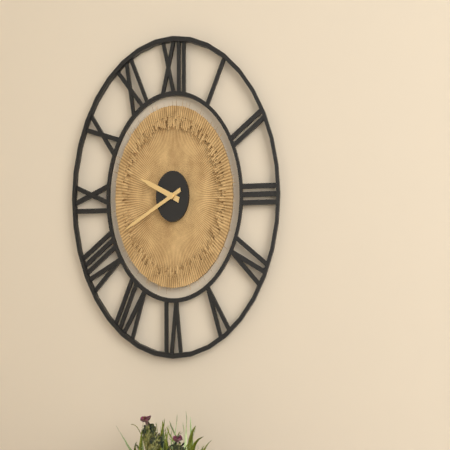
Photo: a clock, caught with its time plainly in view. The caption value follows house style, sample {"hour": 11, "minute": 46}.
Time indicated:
{"hour": 9, "minute": 41}
